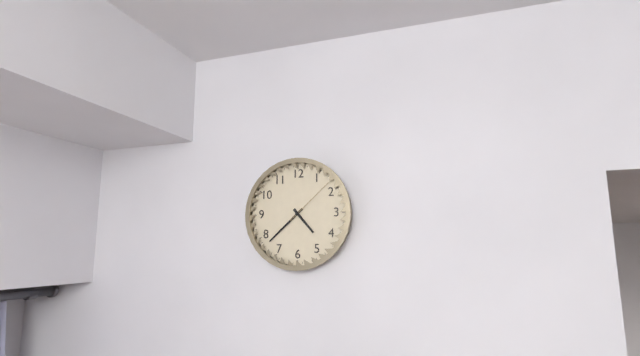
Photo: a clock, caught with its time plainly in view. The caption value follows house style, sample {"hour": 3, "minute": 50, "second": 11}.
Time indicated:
{"hour": 4, "minute": 38, "second": 8}
